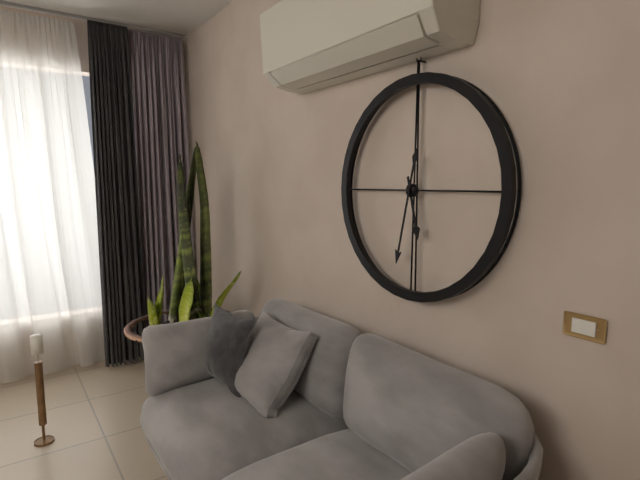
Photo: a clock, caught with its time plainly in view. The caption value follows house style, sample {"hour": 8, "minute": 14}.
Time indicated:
{"hour": 5, "minute": 32}
